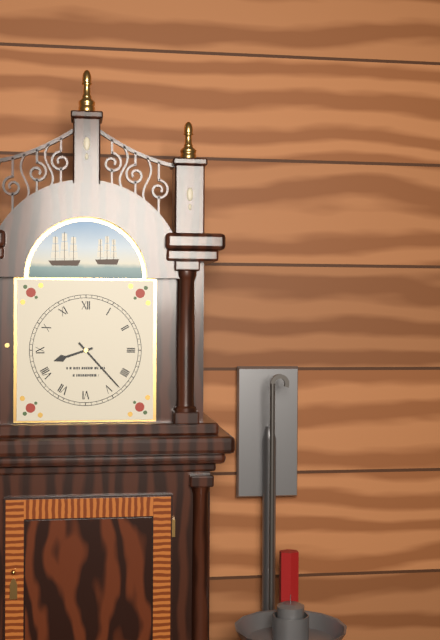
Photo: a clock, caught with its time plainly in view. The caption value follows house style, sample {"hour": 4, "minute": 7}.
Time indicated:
{"hour": 8, "minute": 23}
